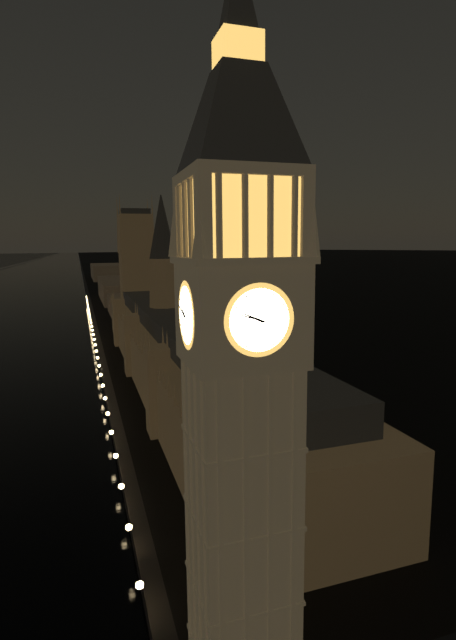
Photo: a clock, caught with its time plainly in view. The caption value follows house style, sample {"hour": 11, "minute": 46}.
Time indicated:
{"hour": 9, "minute": 48}
